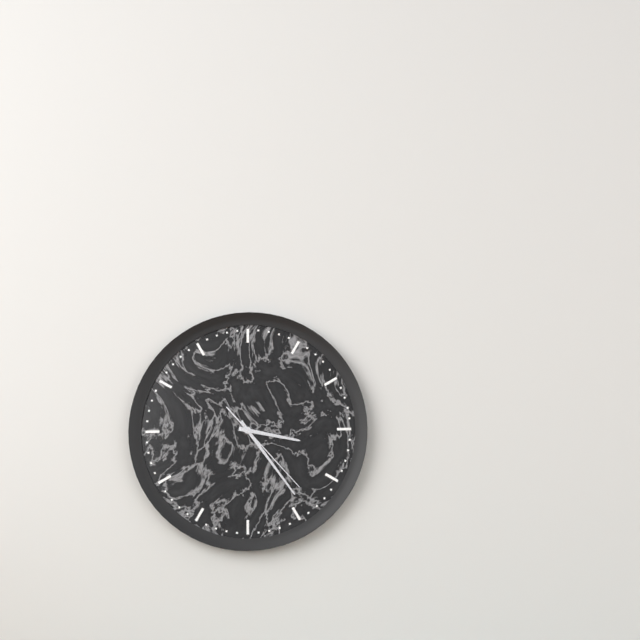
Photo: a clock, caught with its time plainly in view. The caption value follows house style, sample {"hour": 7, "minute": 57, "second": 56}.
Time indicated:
{"hour": 3, "minute": 24, "second": 23}
